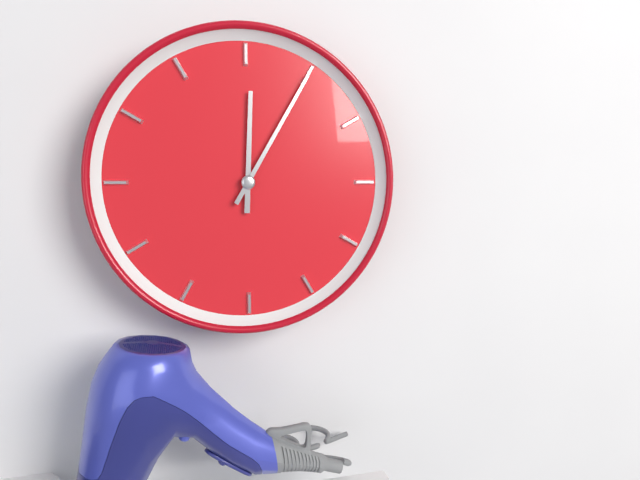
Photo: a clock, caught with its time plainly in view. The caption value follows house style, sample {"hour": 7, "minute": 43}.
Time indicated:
{"hour": 12, "minute": 5}
